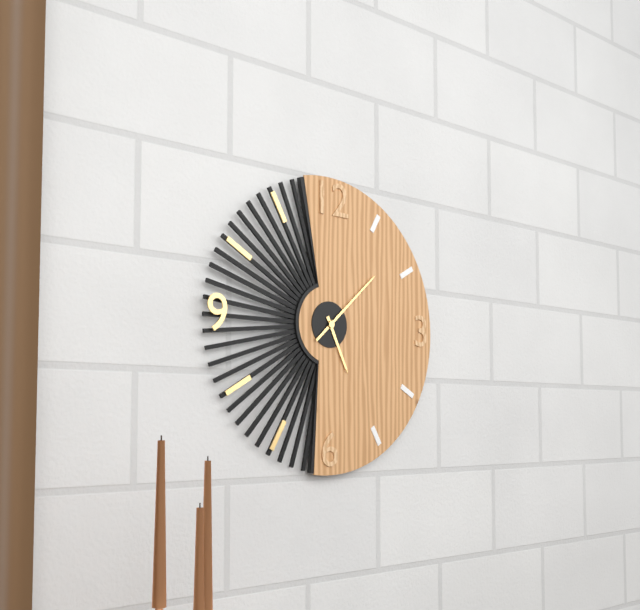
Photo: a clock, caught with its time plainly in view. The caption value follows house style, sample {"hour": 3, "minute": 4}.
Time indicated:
{"hour": 5, "minute": 8}
